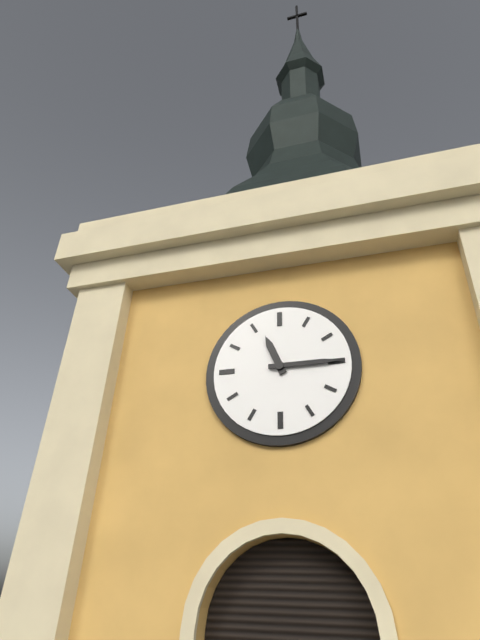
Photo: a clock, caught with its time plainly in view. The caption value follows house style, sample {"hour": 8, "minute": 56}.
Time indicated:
{"hour": 11, "minute": 15}
